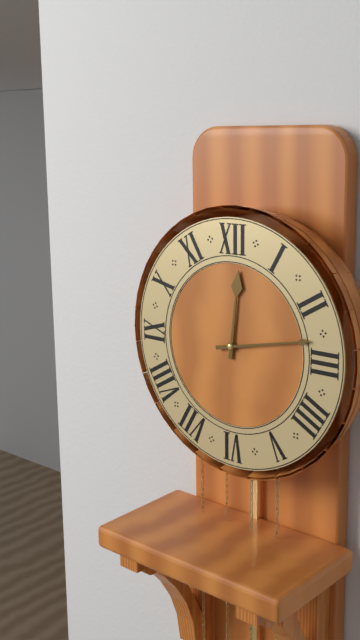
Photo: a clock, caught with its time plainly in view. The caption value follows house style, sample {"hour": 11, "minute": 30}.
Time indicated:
{"hour": 12, "minute": 13}
